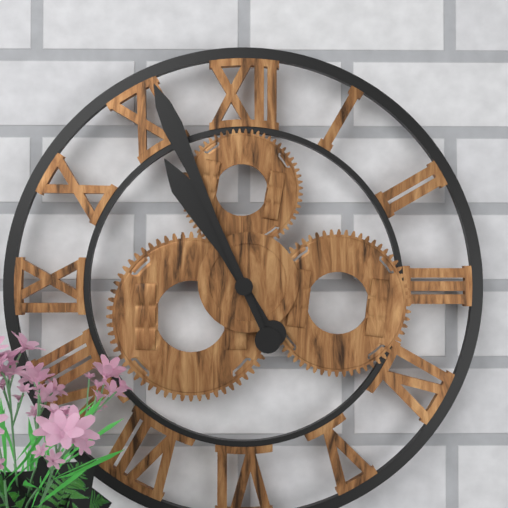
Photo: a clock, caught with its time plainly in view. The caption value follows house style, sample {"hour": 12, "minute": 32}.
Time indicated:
{"hour": 10, "minute": 56}
